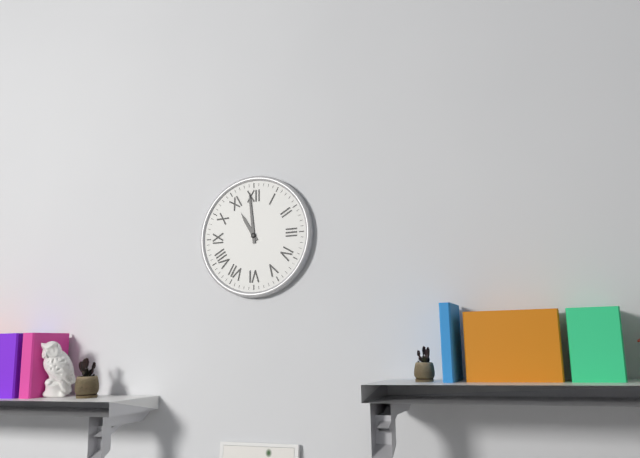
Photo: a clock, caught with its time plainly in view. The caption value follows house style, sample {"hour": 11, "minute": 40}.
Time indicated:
{"hour": 10, "minute": 59}
